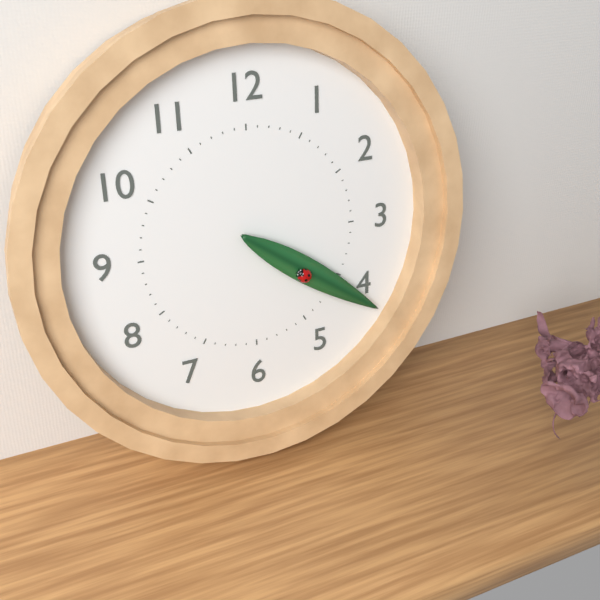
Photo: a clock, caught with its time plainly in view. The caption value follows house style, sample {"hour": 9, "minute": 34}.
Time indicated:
{"hour": 4, "minute": 21}
